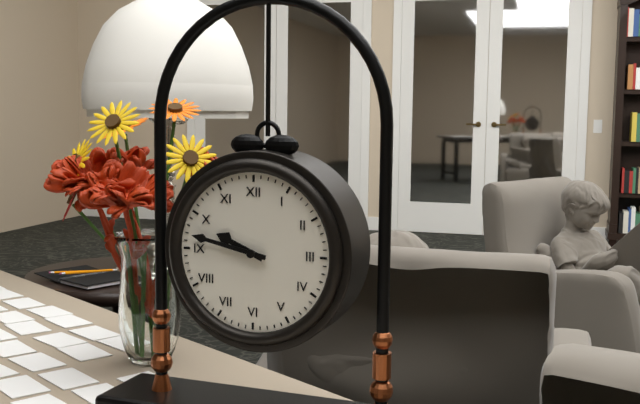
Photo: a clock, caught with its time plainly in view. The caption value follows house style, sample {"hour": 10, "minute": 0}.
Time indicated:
{"hour": 9, "minute": 47}
